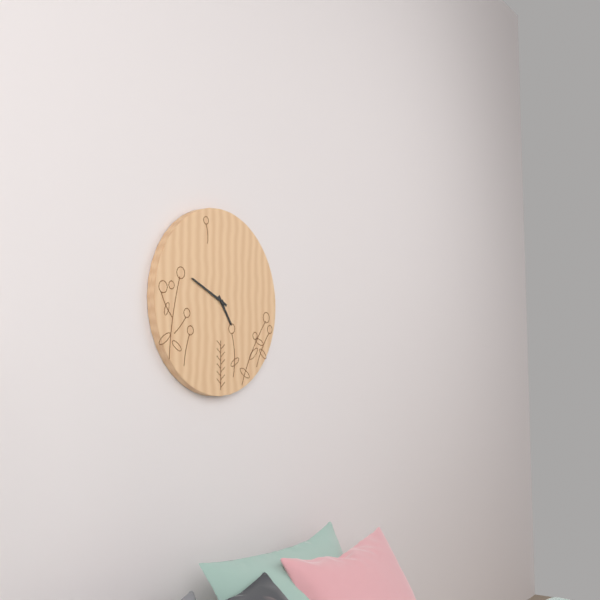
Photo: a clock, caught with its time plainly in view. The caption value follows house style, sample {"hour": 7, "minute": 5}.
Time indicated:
{"hour": 4, "minute": 49}
